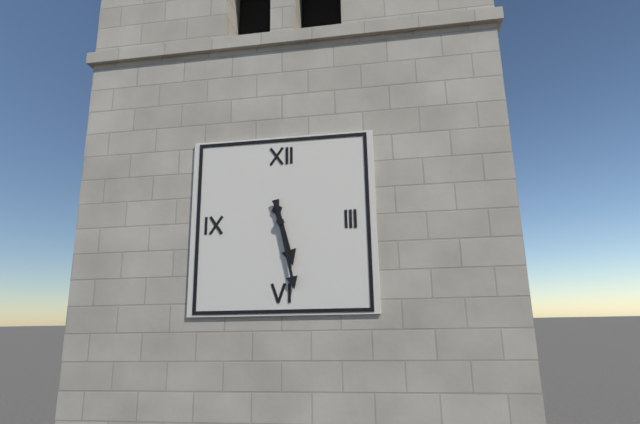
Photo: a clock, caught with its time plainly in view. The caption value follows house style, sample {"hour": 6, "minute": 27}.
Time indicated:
{"hour": 5, "minute": 28}
